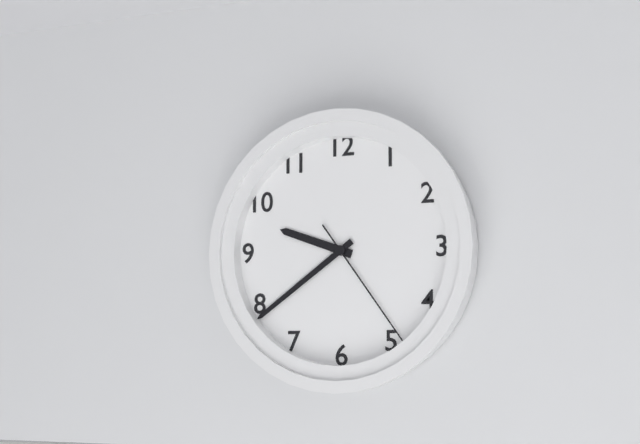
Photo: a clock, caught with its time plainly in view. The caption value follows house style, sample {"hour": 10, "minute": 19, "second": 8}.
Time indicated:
{"hour": 9, "minute": 39, "second": 24}
